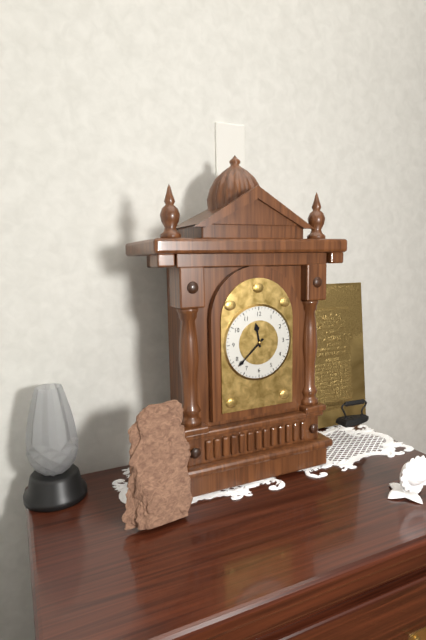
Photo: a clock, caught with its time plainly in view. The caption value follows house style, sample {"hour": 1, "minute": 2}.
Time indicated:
{"hour": 11, "minute": 38}
